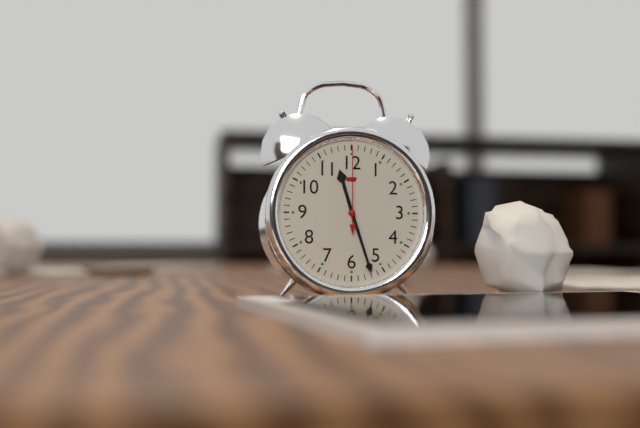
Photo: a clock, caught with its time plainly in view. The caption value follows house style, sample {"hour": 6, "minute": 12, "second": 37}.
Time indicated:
{"hour": 11, "minute": 27, "second": 0}
